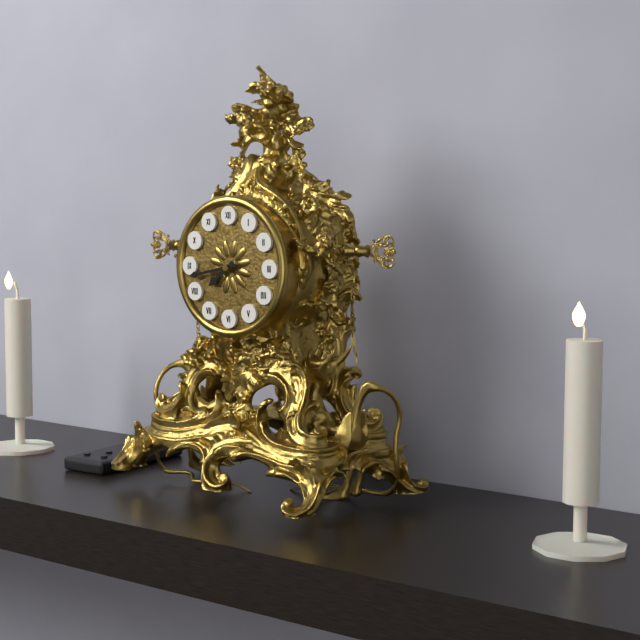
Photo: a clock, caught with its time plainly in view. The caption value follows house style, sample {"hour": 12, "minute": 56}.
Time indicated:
{"hour": 7, "minute": 43}
